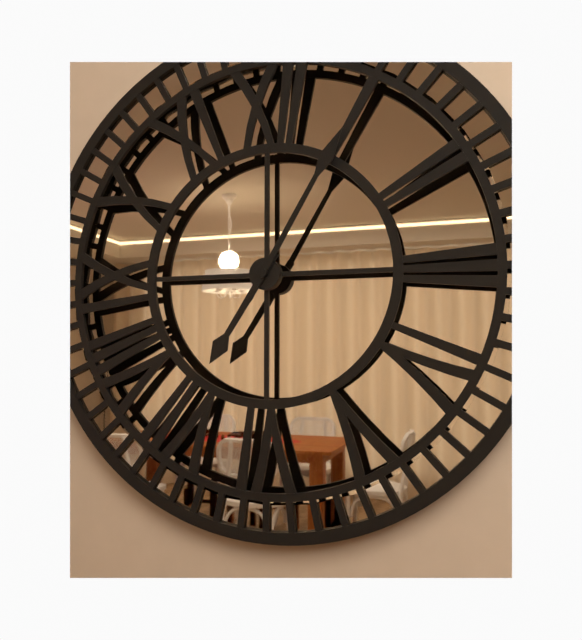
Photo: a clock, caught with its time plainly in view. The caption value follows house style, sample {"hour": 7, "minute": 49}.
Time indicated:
{"hour": 7, "minute": 5}
